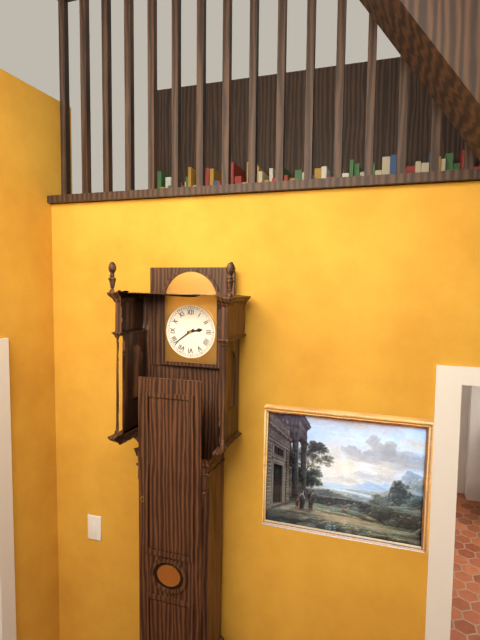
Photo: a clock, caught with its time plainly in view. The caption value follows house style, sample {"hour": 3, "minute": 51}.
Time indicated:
{"hour": 2, "minute": 39}
